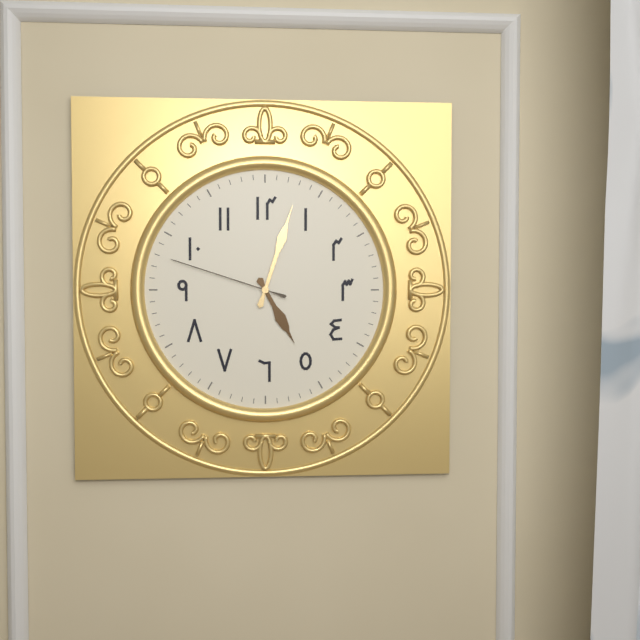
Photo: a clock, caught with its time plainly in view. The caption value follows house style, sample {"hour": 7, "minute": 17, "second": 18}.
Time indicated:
{"hour": 5, "minute": 3, "second": 48}
